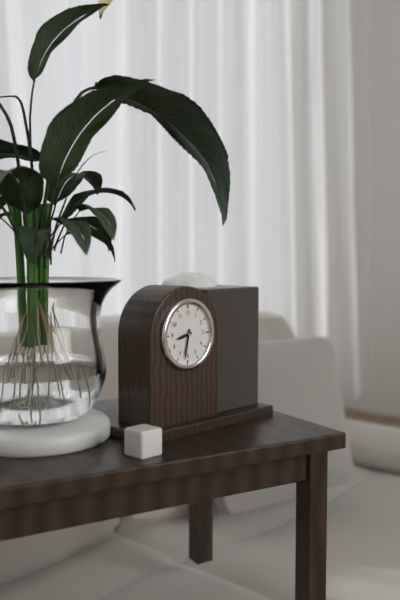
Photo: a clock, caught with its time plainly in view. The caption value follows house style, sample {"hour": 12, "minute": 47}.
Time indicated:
{"hour": 8, "minute": 32}
